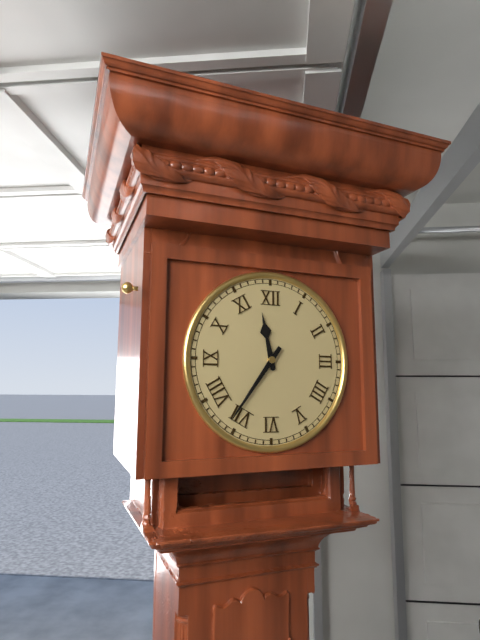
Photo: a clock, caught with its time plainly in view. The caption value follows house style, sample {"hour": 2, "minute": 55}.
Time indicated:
{"hour": 11, "minute": 36}
